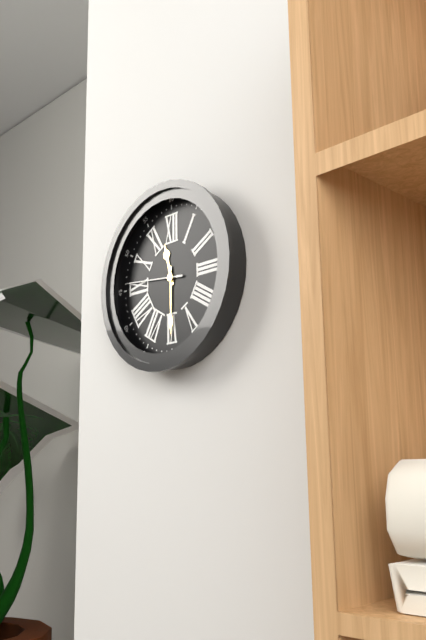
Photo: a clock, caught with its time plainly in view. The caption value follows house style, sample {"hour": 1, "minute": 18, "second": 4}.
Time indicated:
{"hour": 11, "minute": 30, "second": 46}
